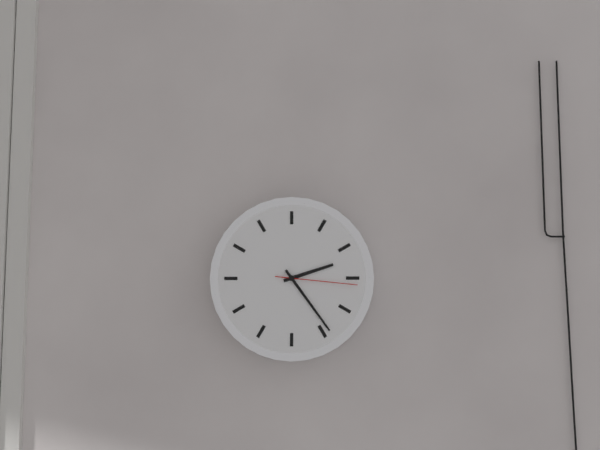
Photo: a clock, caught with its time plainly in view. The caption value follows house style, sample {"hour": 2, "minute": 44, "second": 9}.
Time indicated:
{"hour": 2, "minute": 24, "second": 16}
